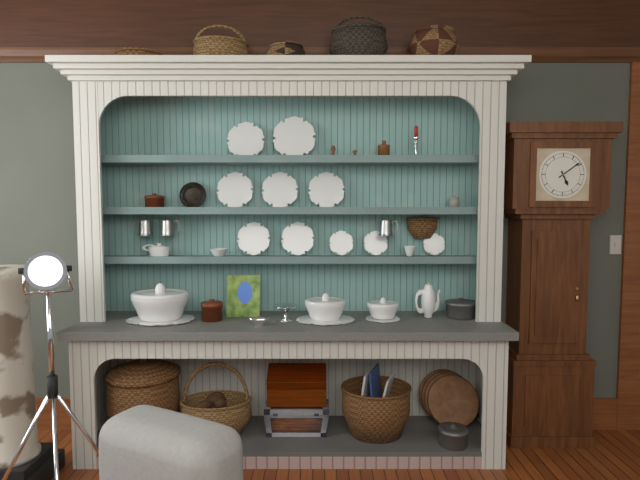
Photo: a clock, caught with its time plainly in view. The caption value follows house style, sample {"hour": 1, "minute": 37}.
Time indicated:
{"hour": 5, "minute": 9}
